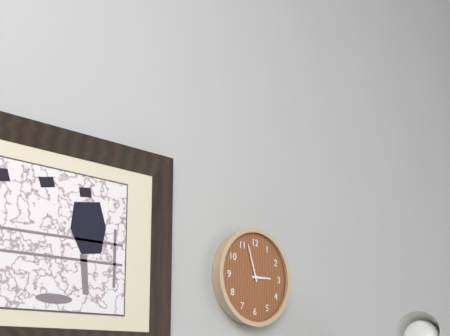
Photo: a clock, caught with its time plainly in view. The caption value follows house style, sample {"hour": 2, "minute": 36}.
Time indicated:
{"hour": 2, "minute": 57}
